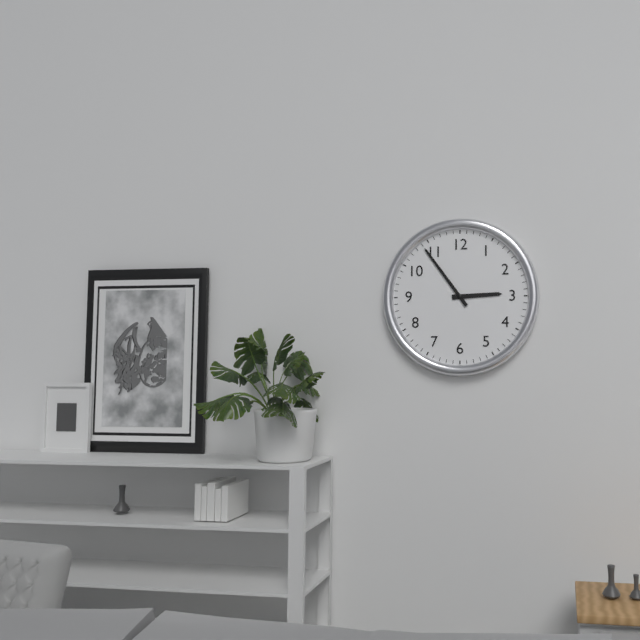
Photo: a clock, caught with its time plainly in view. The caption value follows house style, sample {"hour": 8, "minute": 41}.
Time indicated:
{"hour": 2, "minute": 54}
